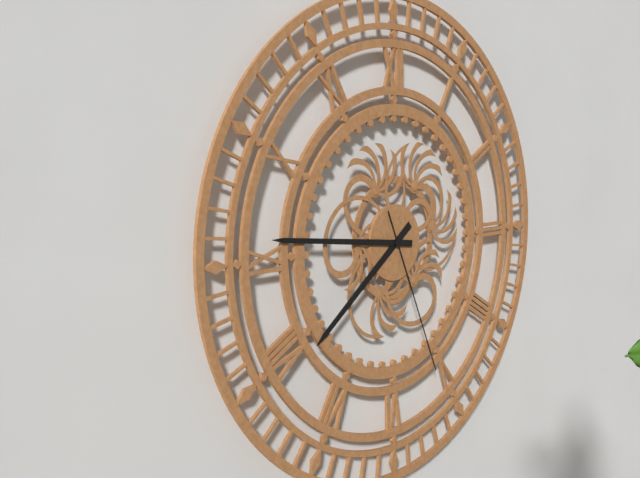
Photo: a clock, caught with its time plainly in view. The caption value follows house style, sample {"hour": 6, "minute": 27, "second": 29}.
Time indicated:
{"hour": 7, "minute": 46, "second": 26}
